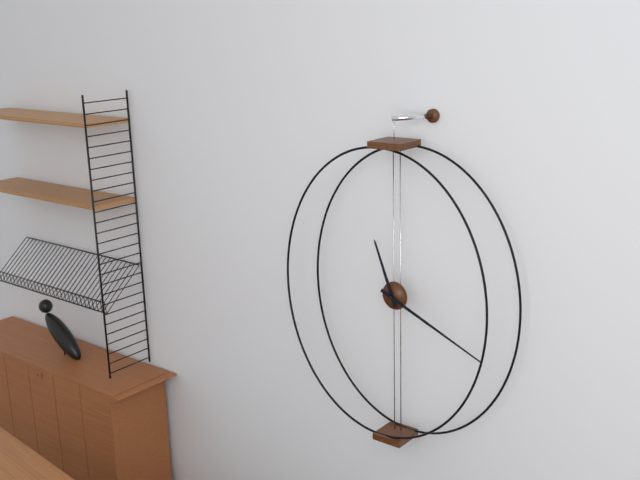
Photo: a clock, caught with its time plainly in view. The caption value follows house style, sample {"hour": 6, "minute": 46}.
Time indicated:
{"hour": 11, "minute": 19}
